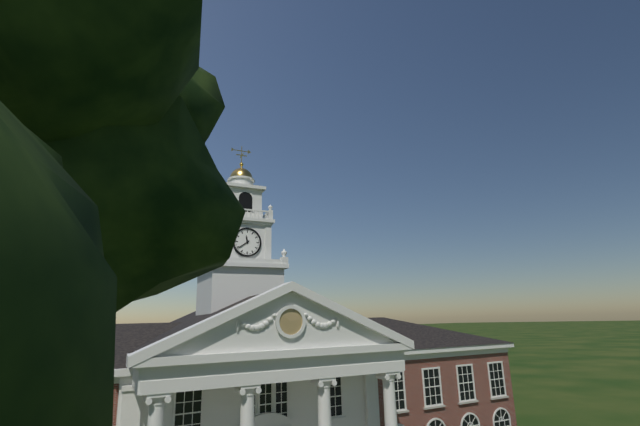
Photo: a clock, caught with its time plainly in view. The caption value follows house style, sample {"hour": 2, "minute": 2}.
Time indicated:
{"hour": 11, "minute": 39}
